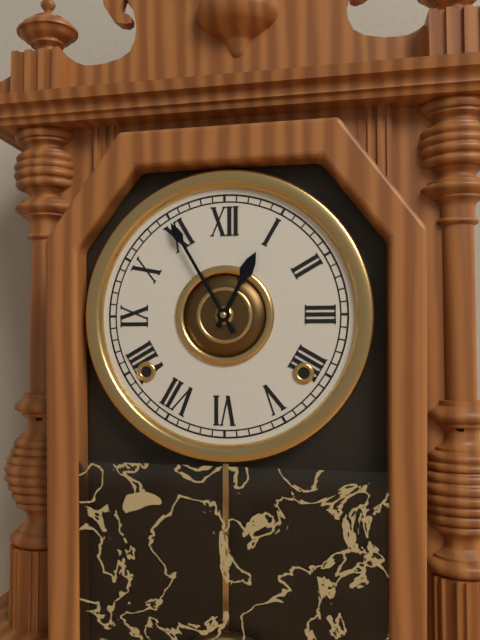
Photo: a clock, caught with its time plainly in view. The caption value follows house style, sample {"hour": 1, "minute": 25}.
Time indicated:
{"hour": 12, "minute": 55}
